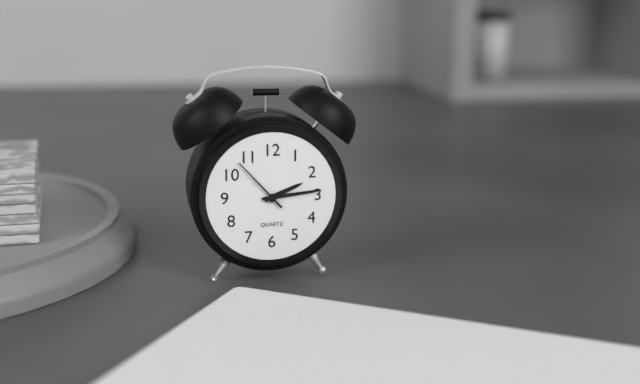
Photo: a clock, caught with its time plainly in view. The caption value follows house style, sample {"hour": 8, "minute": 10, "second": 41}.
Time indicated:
{"hour": 2, "minute": 14, "second": 53}
